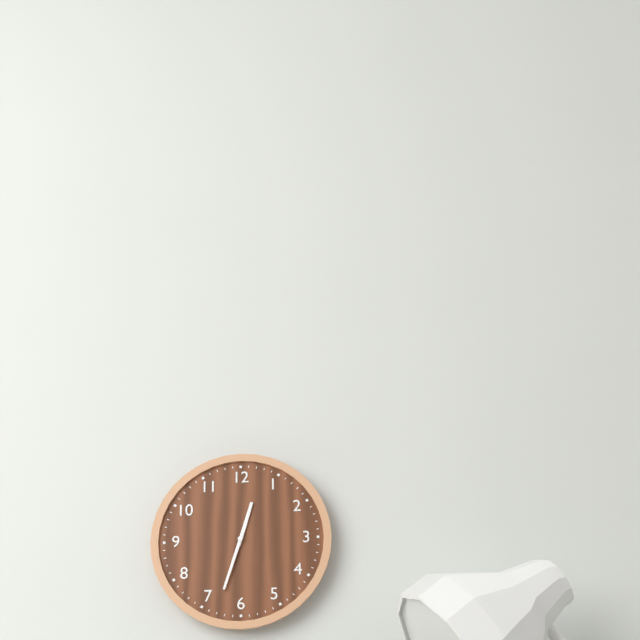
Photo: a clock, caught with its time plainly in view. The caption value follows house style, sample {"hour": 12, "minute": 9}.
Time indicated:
{"hour": 12, "minute": 33}
